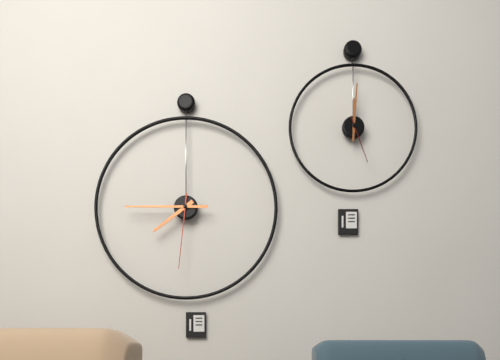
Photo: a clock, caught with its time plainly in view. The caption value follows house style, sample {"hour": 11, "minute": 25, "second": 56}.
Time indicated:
{"hour": 7, "minute": 45, "second": 31}
